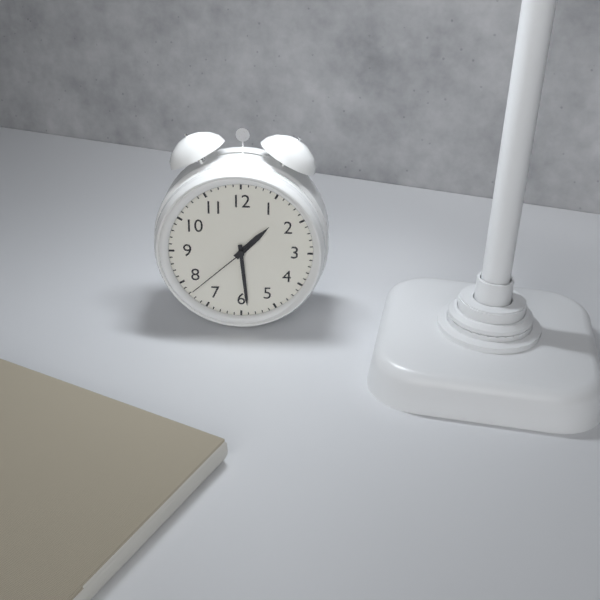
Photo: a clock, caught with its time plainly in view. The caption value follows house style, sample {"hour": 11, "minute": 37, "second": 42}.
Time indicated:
{"hour": 1, "minute": 29, "second": 38}
